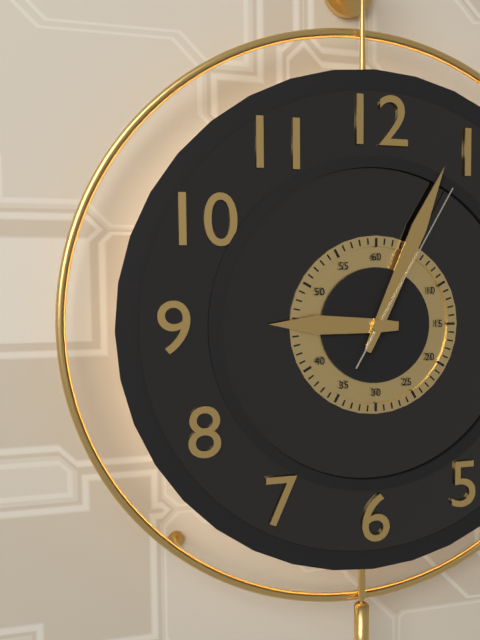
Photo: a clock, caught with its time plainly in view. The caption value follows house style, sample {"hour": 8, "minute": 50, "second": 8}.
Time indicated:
{"hour": 9, "minute": 4, "second": 5}
